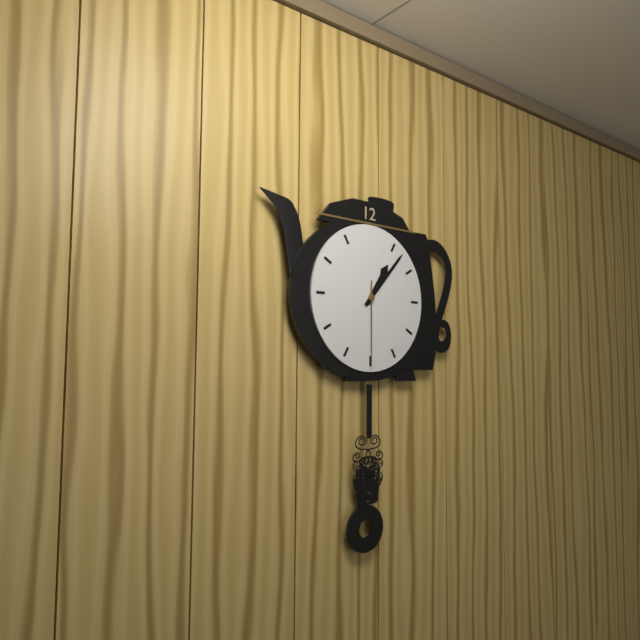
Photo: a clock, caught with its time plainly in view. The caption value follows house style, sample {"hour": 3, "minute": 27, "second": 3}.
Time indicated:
{"hour": 1, "minute": 7, "second": 30}
